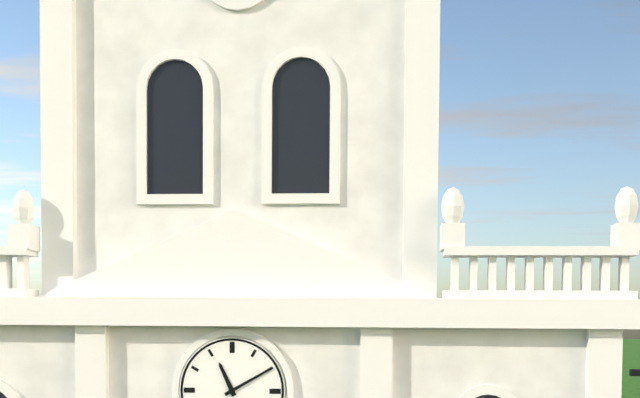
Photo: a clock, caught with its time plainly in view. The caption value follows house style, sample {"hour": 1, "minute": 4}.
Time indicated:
{"hour": 11, "minute": 10}
